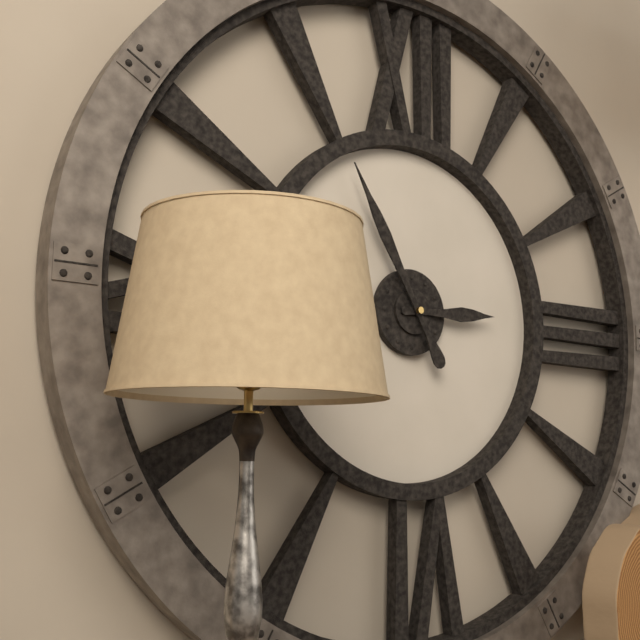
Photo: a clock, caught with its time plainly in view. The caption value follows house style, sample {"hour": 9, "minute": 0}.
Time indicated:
{"hour": 2, "minute": 55}
